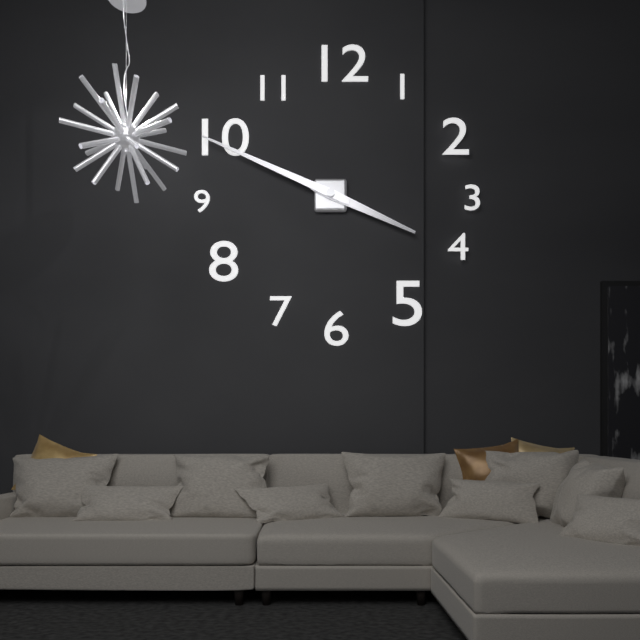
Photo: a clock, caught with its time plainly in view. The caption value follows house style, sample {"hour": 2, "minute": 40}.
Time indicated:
{"hour": 3, "minute": 49}
